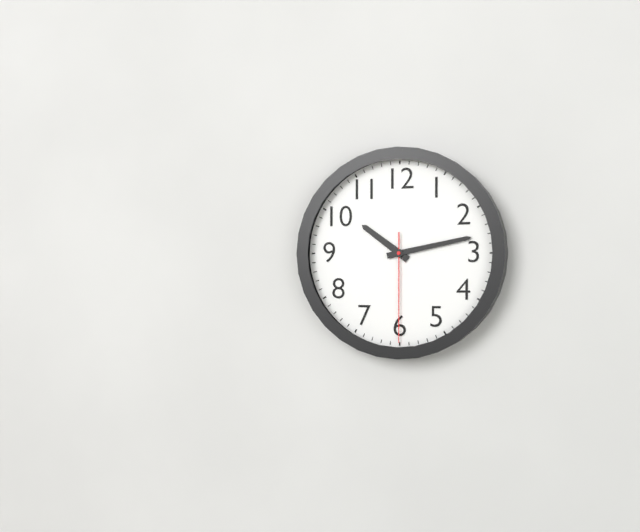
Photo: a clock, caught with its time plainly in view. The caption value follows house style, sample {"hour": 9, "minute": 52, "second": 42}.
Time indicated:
{"hour": 10, "minute": 13, "second": 30}
